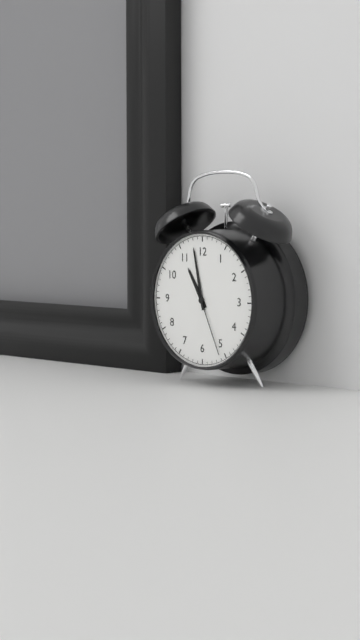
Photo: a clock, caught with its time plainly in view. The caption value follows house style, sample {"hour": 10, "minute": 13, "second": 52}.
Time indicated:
{"hour": 10, "minute": 58, "second": 26}
